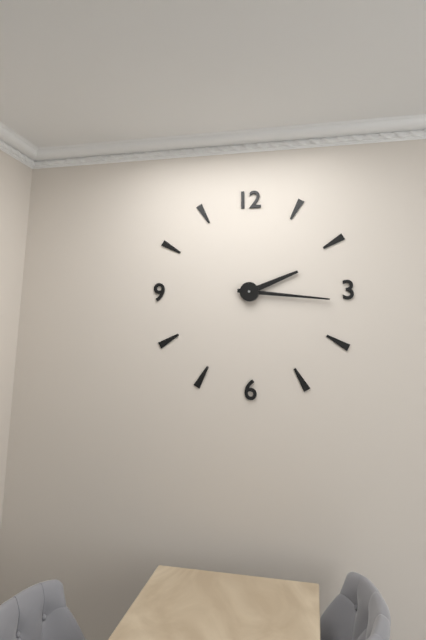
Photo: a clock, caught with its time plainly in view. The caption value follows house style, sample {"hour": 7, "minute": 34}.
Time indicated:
{"hour": 2, "minute": 16}
